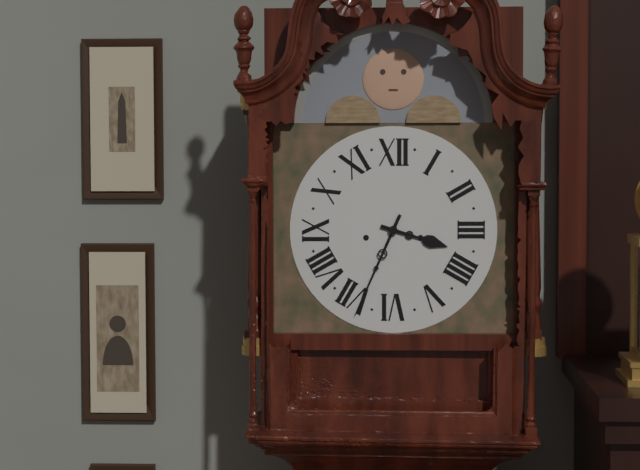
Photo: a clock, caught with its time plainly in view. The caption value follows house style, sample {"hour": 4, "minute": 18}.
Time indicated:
{"hour": 3, "minute": 34}
